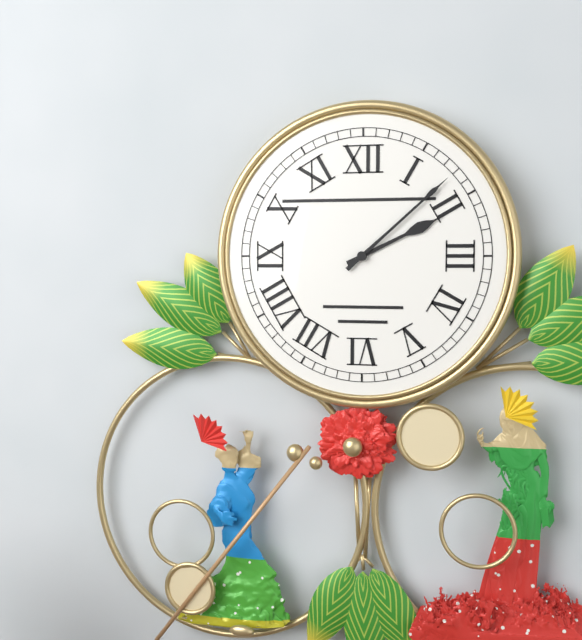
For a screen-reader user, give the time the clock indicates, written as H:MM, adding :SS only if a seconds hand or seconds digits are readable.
2:08
